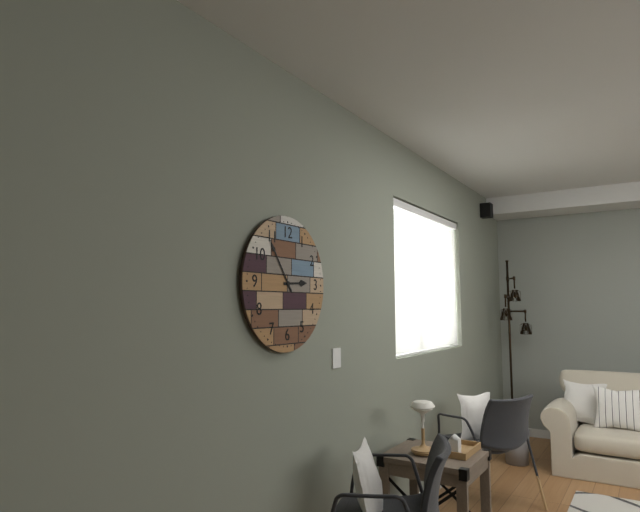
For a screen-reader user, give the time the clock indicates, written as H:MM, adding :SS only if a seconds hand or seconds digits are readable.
2:54
